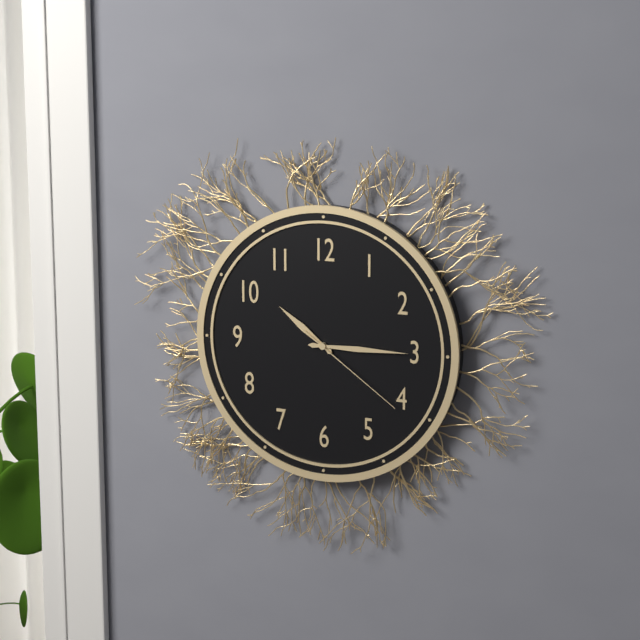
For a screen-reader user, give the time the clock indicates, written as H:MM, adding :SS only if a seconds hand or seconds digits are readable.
10:15:21
